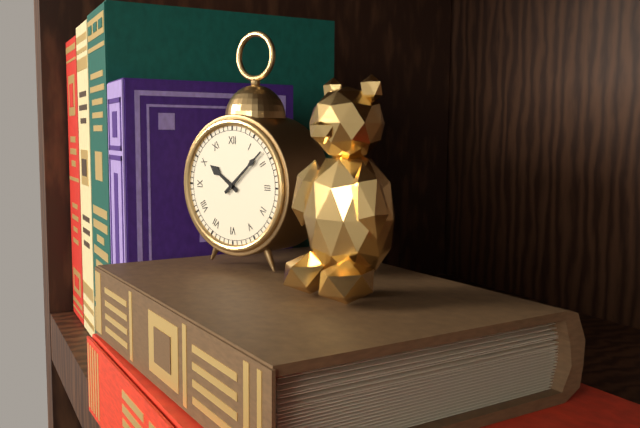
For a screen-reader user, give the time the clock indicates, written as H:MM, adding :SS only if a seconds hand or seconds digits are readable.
10:08
